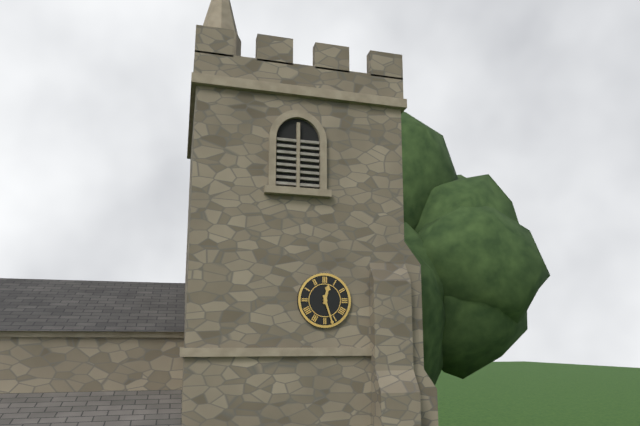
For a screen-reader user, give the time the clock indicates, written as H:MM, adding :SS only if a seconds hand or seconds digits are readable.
12:27
